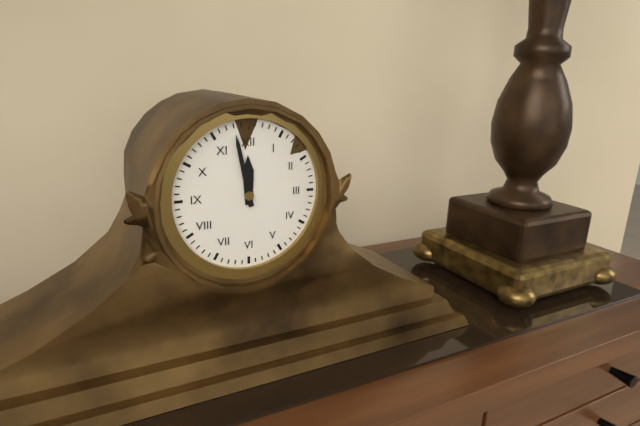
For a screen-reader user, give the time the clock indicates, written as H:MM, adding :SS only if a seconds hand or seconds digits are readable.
11:58
